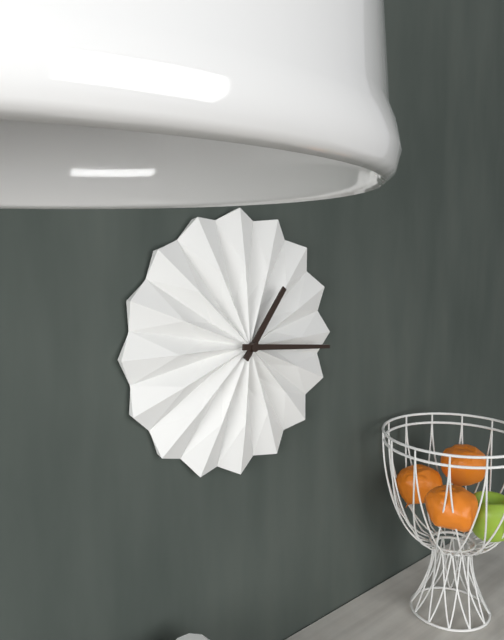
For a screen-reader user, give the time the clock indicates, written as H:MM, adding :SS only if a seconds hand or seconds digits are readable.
1:16
